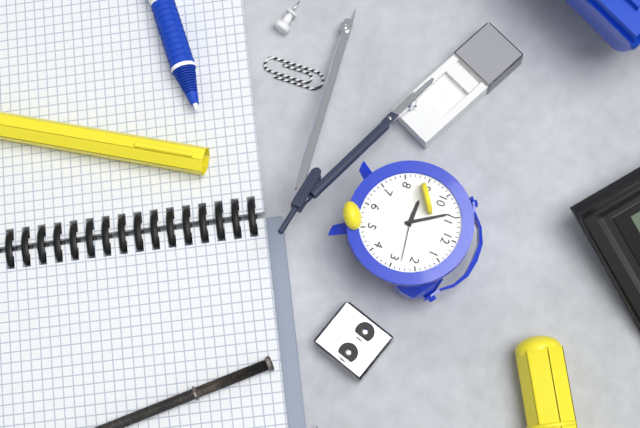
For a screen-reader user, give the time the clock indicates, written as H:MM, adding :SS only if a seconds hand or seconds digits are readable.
8:54:13
